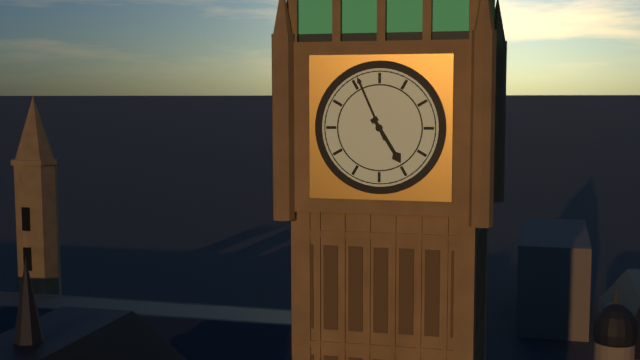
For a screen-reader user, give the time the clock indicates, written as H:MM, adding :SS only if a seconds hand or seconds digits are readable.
4:56
